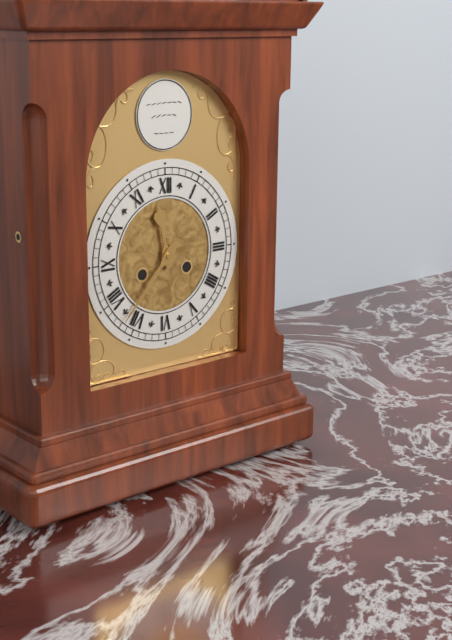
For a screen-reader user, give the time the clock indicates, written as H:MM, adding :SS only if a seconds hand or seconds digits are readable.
11:37
